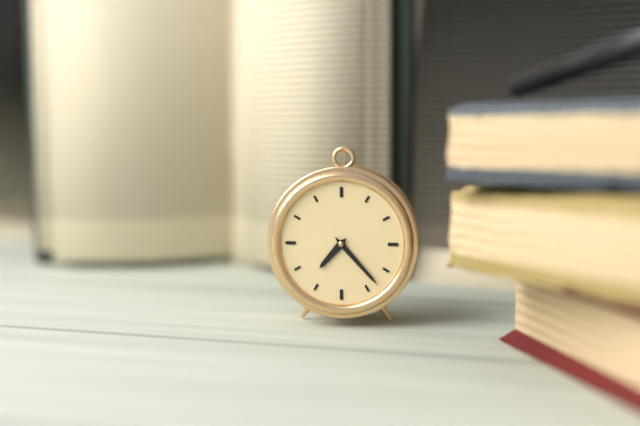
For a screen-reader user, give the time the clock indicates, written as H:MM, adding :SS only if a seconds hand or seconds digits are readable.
7:23
